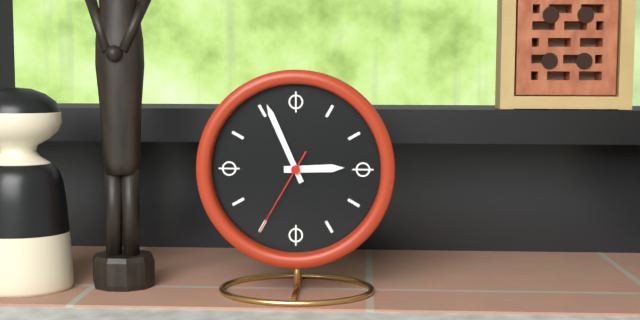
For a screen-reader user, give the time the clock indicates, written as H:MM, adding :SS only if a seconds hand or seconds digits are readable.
2:56:35
